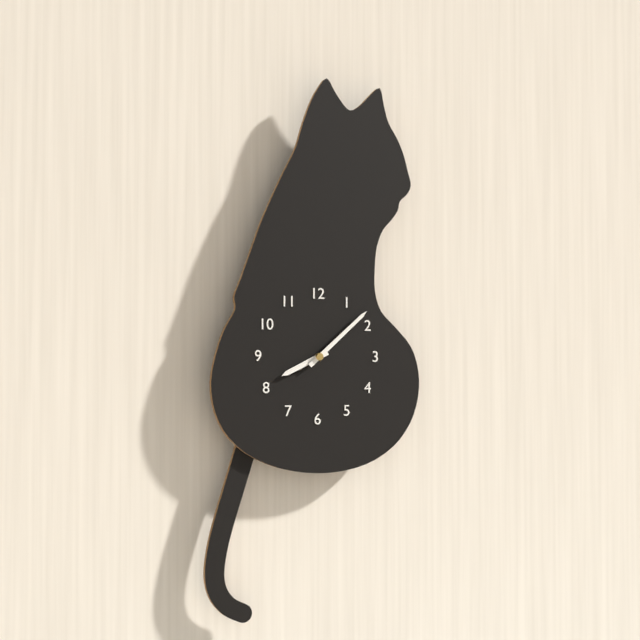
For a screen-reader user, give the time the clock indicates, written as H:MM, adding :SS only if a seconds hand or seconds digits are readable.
8:08
